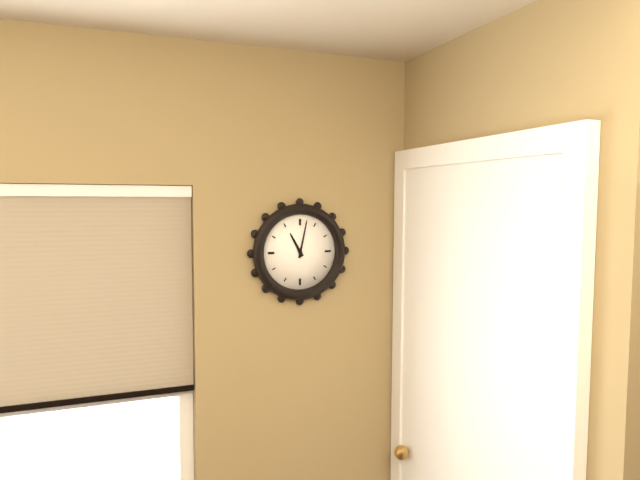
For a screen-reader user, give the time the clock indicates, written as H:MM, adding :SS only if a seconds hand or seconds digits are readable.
11:02
